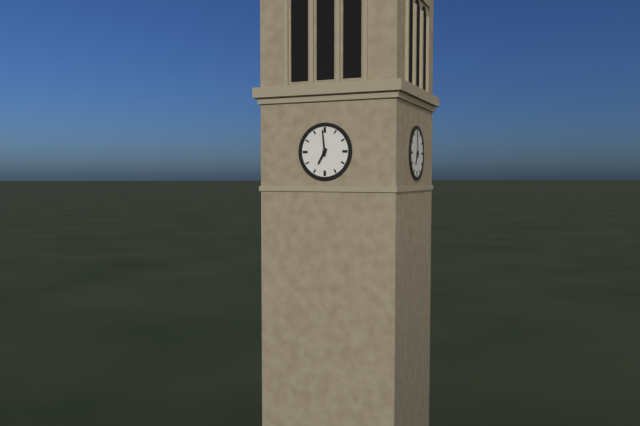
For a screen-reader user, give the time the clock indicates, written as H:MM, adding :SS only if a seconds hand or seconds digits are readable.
6:59
